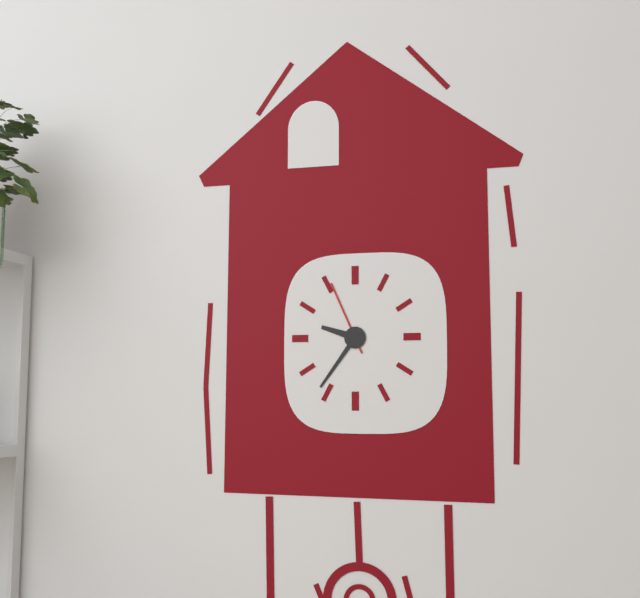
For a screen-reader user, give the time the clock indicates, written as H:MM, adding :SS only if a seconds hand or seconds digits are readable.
9:36:56
